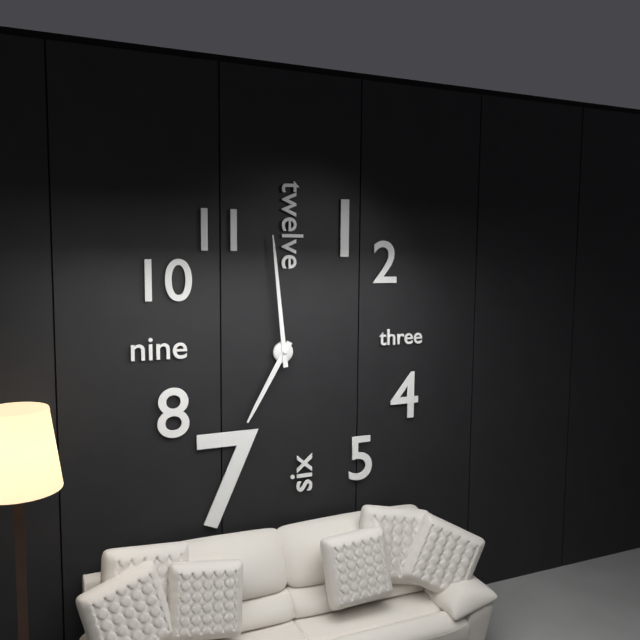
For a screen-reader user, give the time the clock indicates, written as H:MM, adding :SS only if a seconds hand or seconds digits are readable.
6:59
